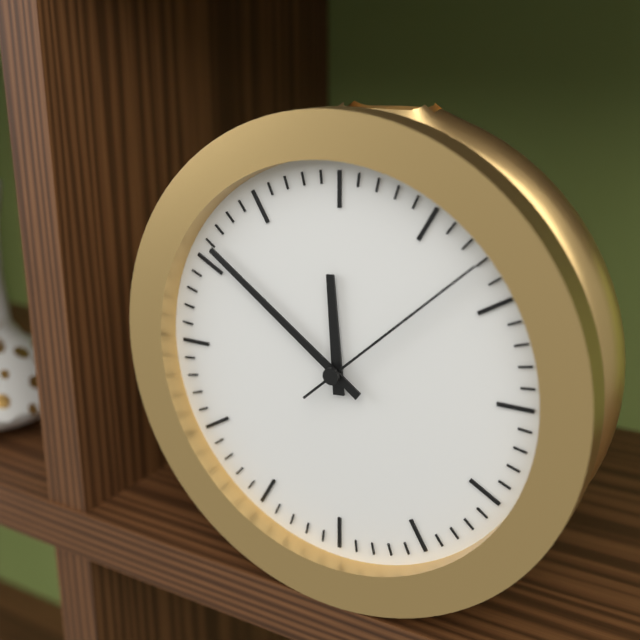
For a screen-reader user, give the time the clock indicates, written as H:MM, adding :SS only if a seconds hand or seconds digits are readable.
11:51:08
